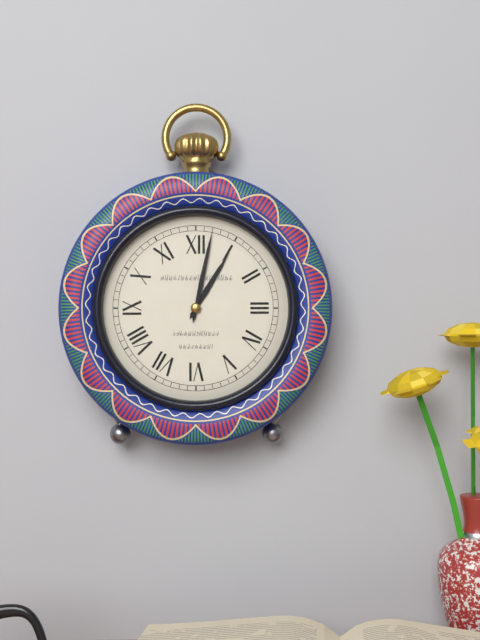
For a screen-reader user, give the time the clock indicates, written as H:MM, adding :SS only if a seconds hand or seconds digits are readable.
1:02
